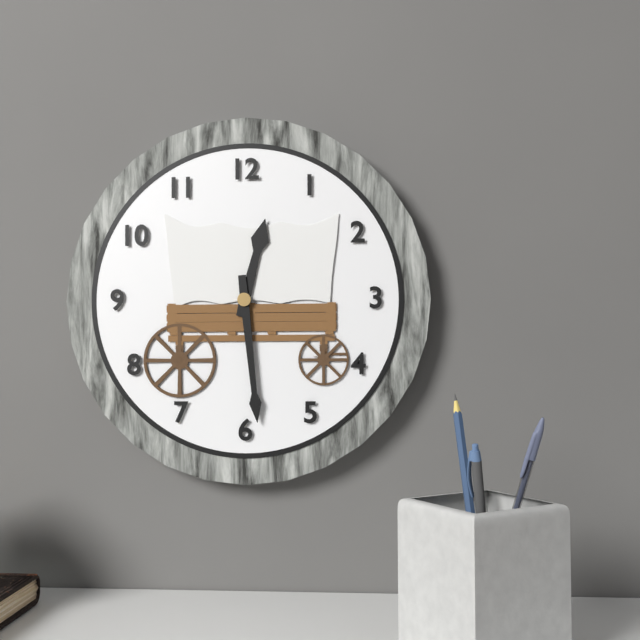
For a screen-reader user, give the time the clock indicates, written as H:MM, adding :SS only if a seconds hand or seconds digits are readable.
12:29
